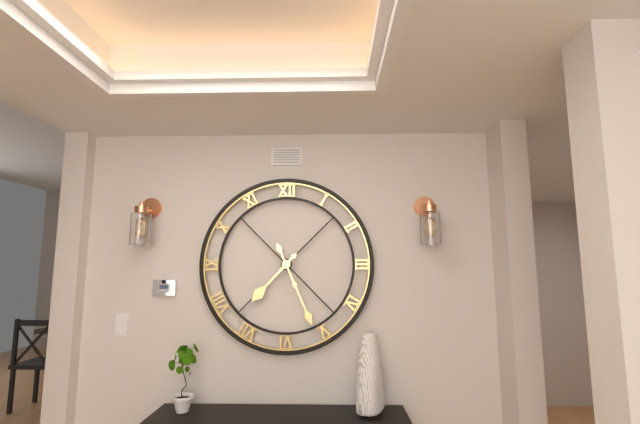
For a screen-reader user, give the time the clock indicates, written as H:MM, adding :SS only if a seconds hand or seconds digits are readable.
7:26
